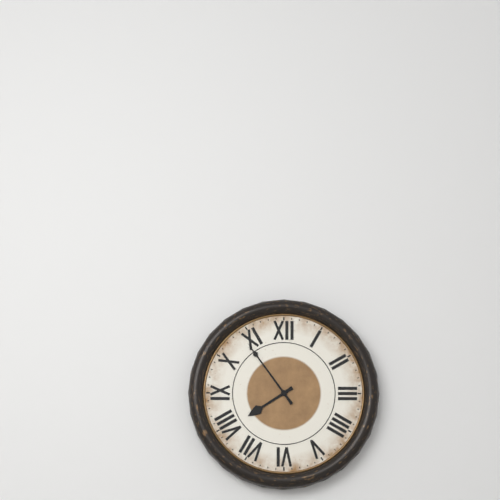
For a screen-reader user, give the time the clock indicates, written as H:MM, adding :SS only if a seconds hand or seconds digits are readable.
7:54
